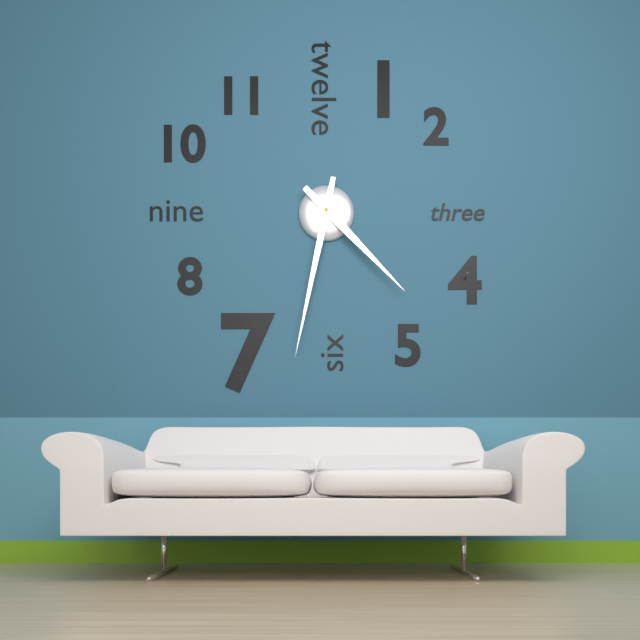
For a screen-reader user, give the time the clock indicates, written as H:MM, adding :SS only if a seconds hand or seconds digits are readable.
4:32
